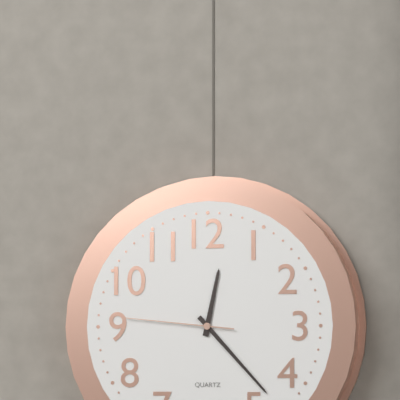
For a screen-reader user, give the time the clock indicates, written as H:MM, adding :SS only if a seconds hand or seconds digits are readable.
12:23:46
